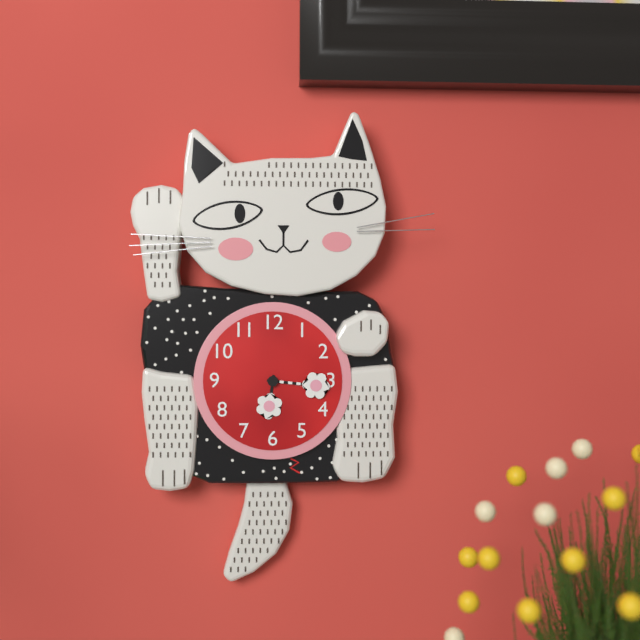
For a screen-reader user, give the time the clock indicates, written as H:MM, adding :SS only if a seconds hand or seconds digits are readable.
6:16
